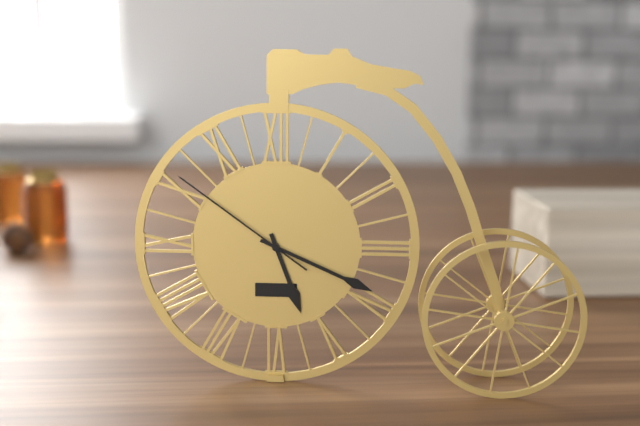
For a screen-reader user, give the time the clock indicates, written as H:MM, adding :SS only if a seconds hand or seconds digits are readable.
5:19:51
